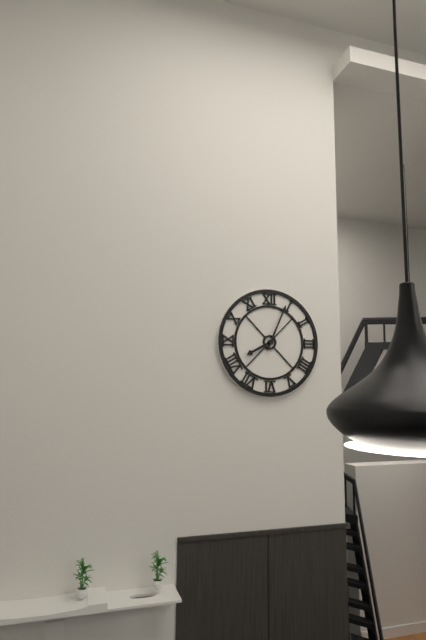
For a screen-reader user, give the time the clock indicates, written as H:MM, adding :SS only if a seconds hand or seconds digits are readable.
8:04
